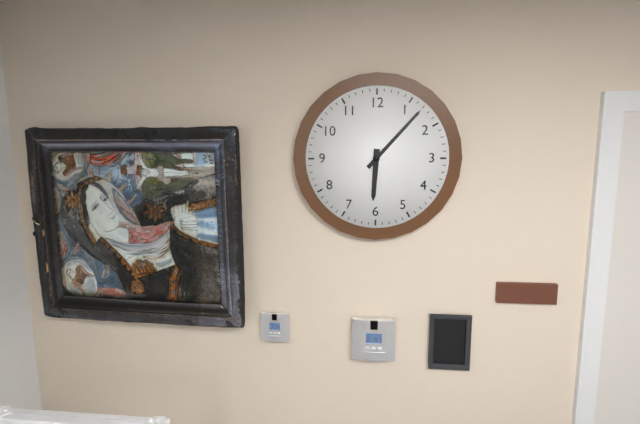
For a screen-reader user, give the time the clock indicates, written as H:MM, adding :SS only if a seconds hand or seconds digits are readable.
6:07
